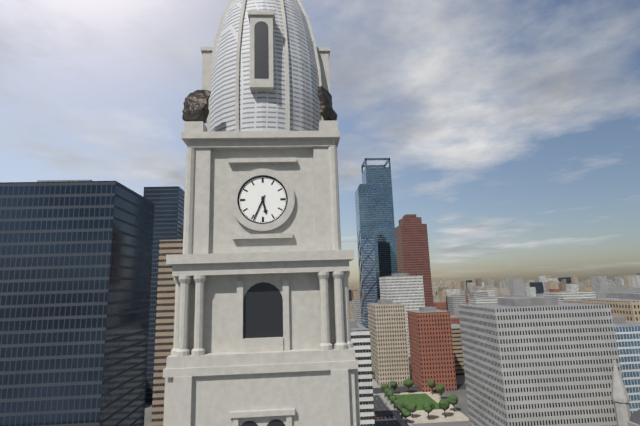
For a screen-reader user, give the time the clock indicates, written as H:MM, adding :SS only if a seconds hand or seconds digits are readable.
5:34
